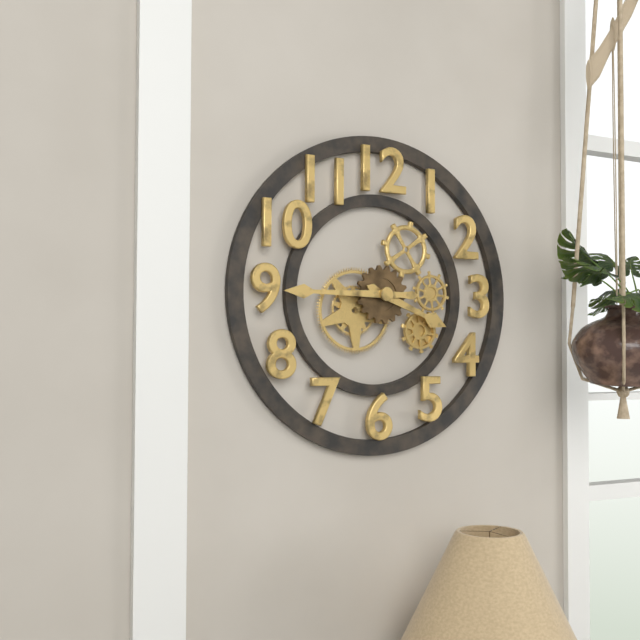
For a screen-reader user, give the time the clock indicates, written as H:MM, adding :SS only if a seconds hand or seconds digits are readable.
3:45
